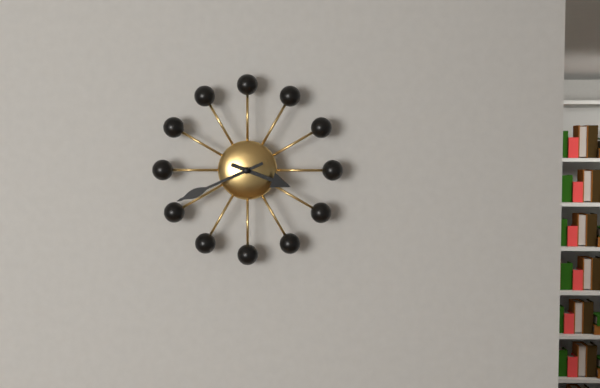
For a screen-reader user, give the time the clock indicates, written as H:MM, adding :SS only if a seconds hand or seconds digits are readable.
3:41
